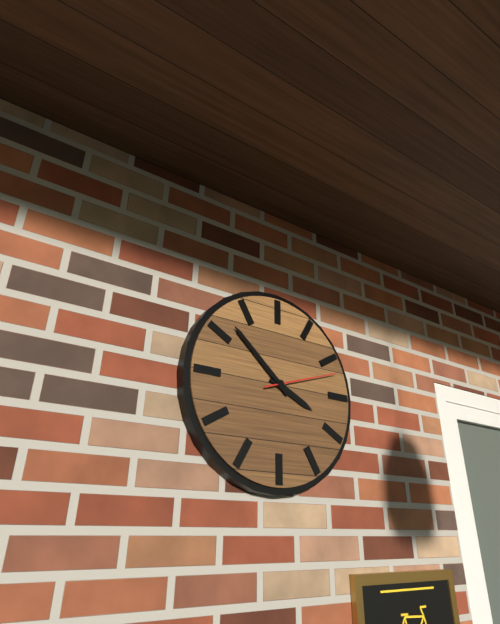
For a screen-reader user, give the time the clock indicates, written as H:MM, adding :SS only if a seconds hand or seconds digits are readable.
3:52:12
